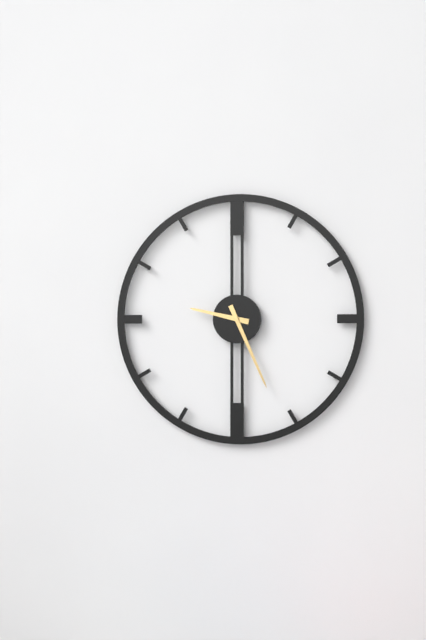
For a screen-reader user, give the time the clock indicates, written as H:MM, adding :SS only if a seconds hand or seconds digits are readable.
9:26
